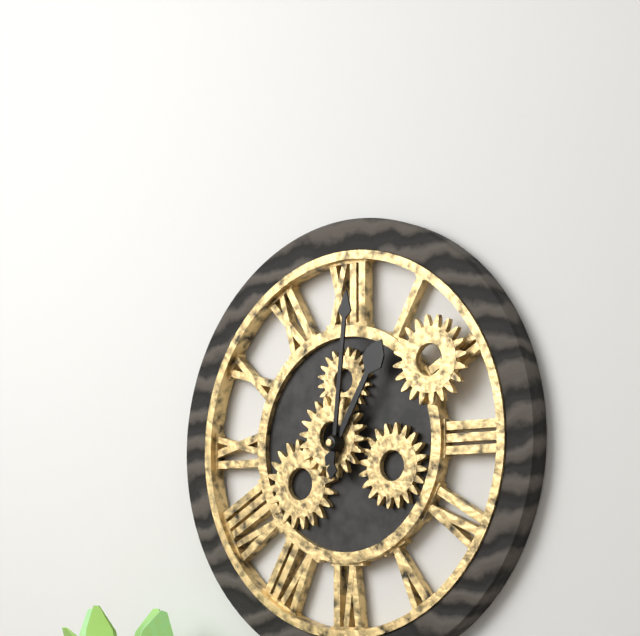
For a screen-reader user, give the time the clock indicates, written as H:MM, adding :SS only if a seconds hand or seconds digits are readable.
1:01
